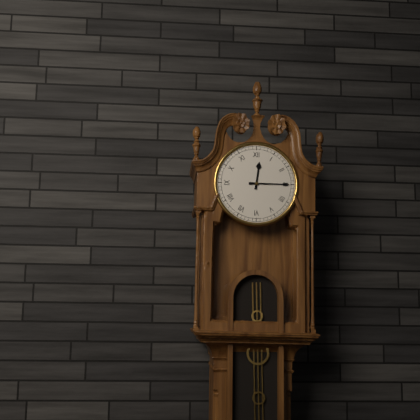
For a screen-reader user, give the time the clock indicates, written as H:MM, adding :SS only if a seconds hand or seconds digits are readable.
12:15
